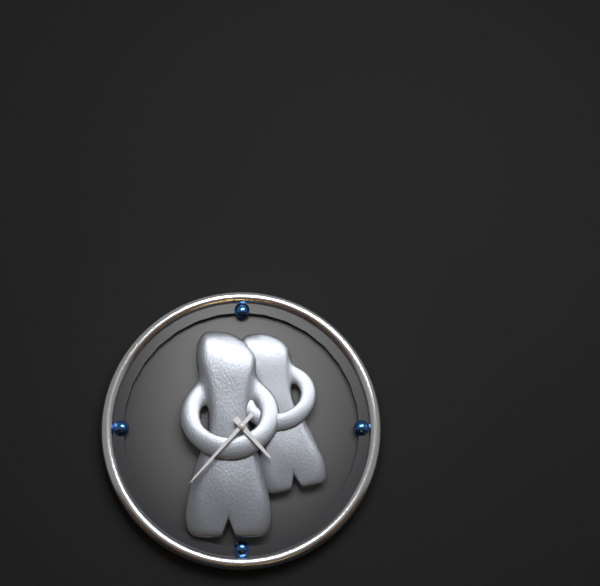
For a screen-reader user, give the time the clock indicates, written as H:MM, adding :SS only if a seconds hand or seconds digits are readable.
4:37
